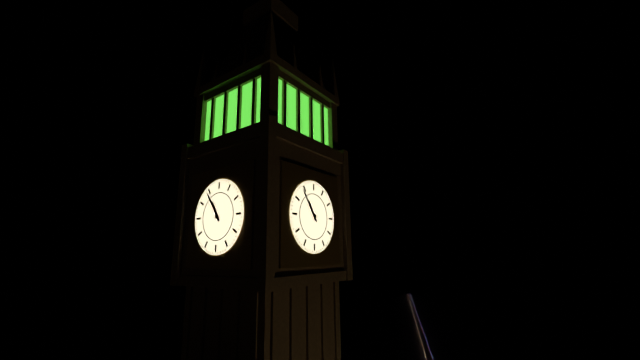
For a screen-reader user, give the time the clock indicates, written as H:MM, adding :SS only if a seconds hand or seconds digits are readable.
10:54
